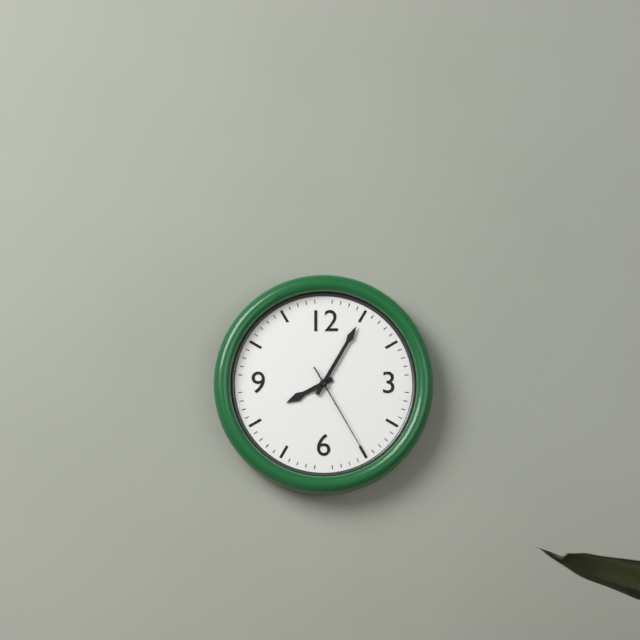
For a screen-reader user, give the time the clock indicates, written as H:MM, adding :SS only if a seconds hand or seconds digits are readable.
8:05:25
